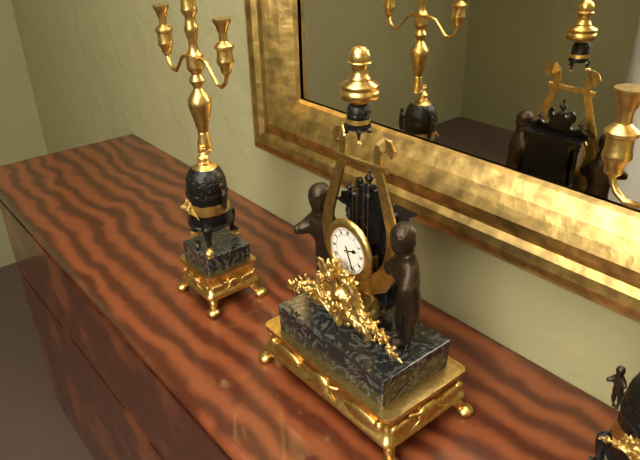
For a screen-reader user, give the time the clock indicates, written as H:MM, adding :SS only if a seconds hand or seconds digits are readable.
2:26
